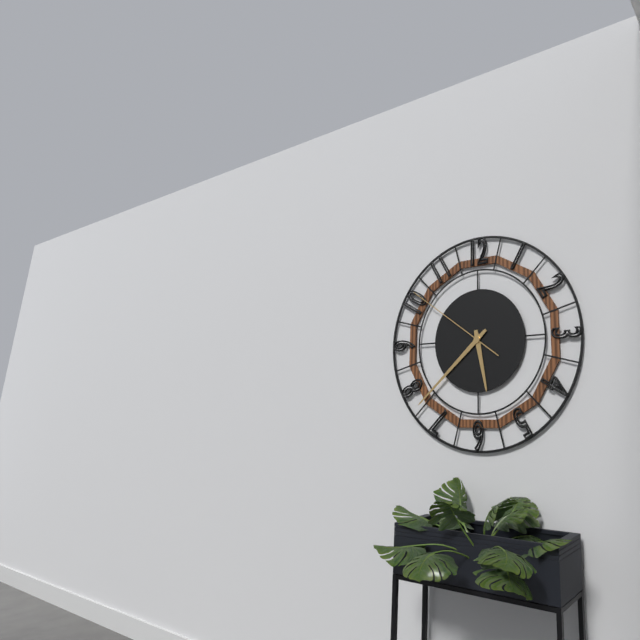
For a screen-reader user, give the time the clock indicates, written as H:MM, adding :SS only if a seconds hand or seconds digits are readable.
5:38:51
